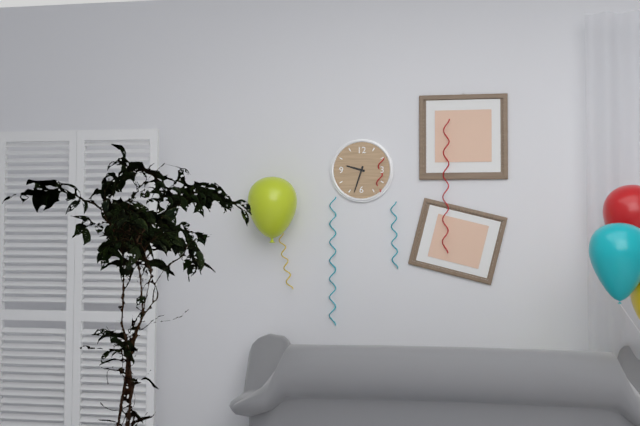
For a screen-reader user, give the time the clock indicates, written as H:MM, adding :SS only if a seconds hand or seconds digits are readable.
9:33
